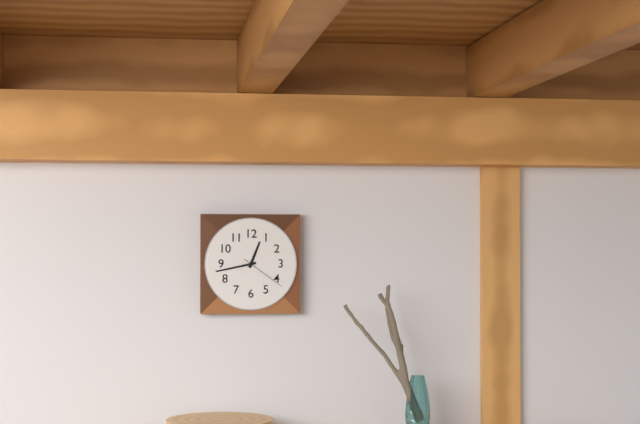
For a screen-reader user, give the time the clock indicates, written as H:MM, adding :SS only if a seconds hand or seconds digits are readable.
12:43
